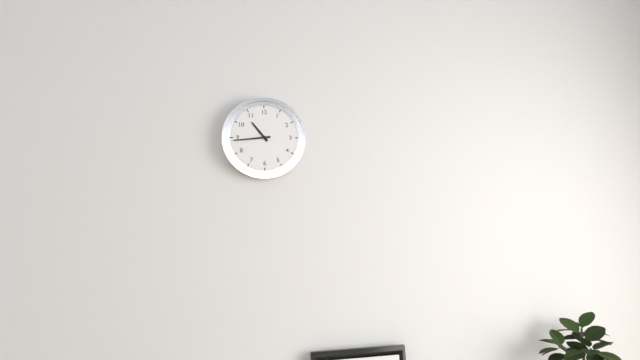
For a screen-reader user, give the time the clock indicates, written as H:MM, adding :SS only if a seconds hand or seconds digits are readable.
10:44
